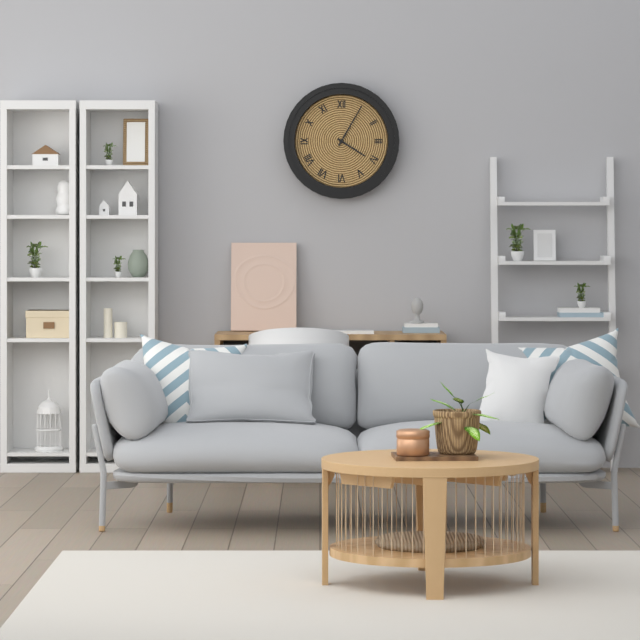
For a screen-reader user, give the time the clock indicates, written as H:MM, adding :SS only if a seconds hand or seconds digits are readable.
4:05
